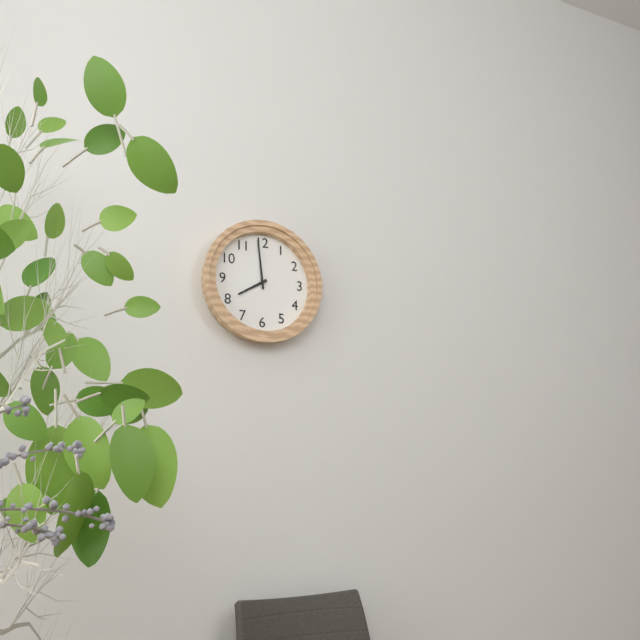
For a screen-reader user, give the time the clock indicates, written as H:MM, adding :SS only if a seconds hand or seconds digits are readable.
7:59
